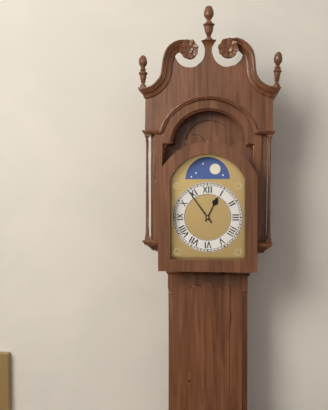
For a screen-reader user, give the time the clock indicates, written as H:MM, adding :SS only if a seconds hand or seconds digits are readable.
12:54
